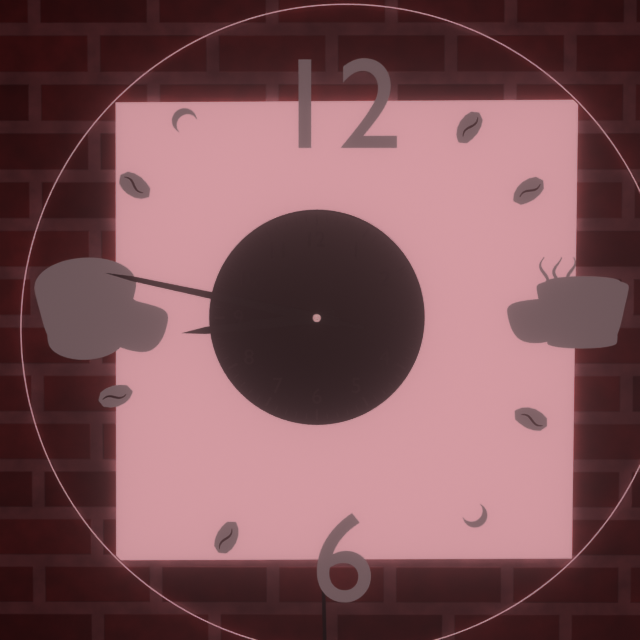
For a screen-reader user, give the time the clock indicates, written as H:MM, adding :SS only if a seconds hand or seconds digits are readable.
8:47:47
